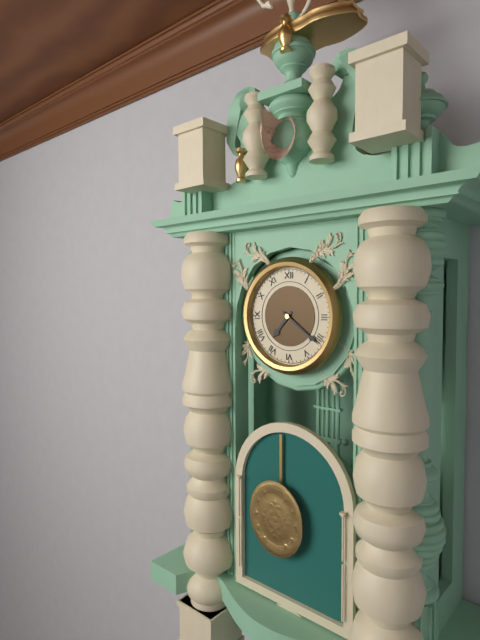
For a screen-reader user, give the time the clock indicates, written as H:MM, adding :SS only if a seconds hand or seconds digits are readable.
7:21
